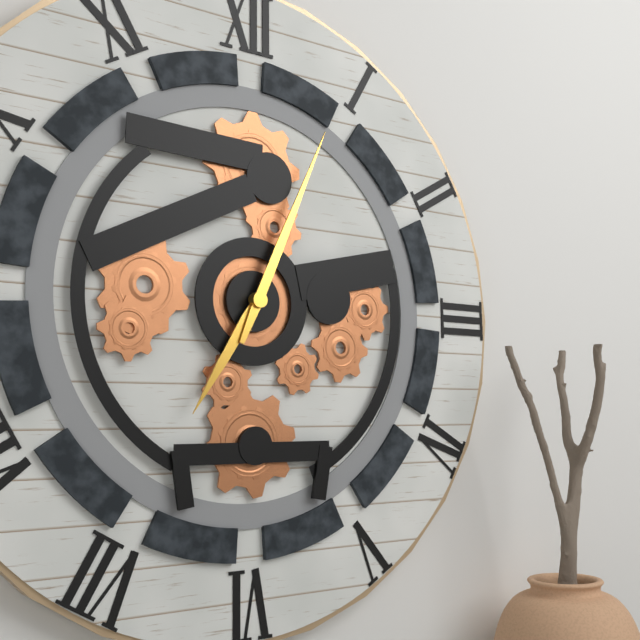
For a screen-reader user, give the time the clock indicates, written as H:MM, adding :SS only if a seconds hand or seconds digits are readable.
7:04
